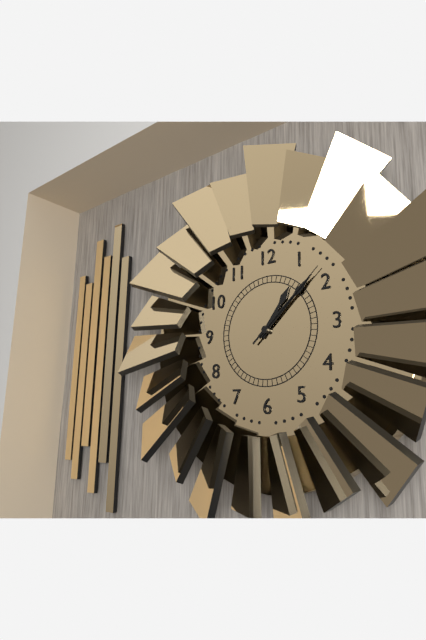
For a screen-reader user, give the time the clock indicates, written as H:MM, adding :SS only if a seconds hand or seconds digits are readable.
1:08:08
